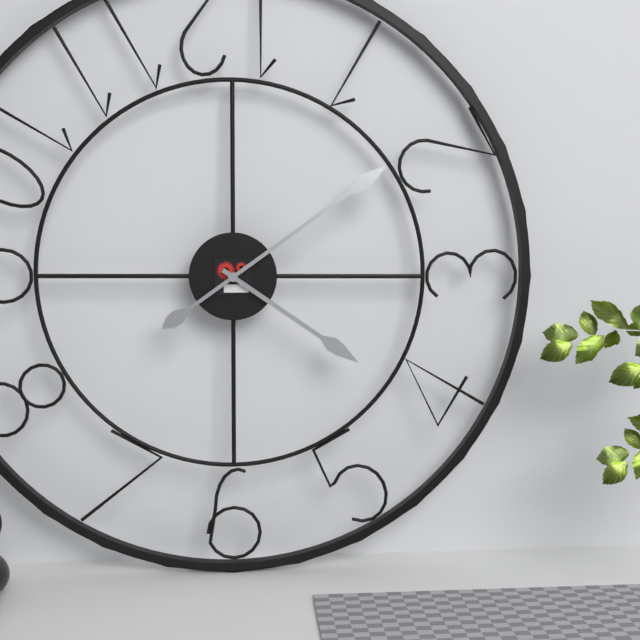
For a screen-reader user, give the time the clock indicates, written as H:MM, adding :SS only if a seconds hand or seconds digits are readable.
4:09
